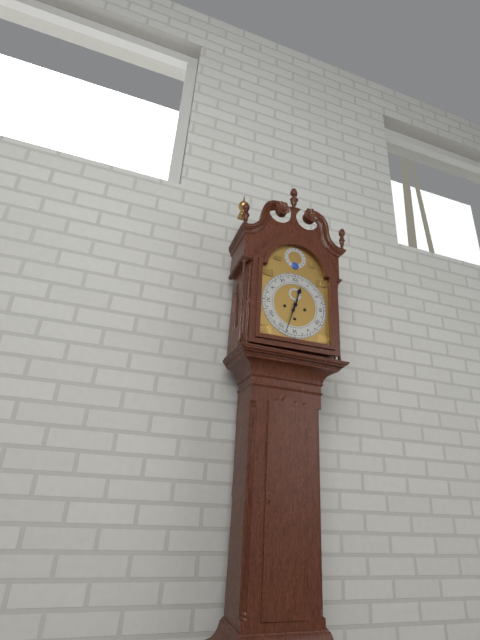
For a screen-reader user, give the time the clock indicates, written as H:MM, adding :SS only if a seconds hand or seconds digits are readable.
12:33
